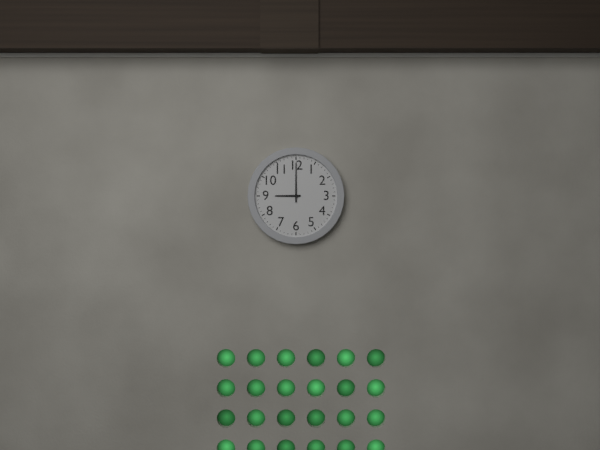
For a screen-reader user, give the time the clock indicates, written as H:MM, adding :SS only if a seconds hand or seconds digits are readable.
9:00
